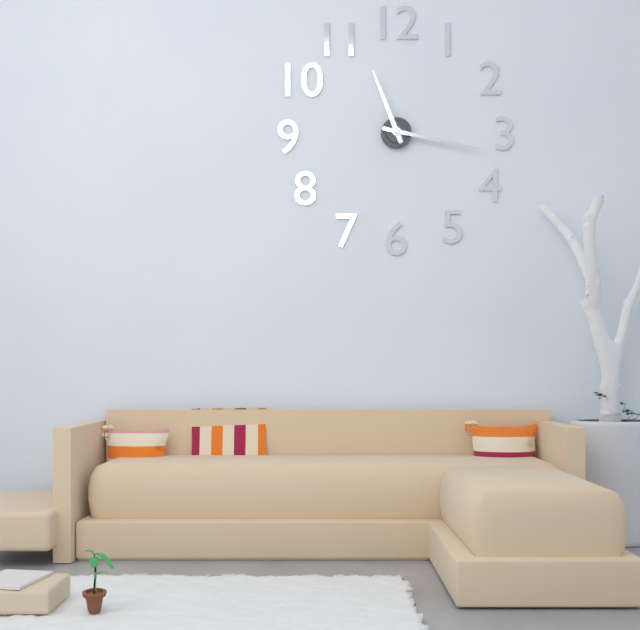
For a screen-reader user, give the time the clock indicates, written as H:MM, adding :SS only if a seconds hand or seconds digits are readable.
11:17
